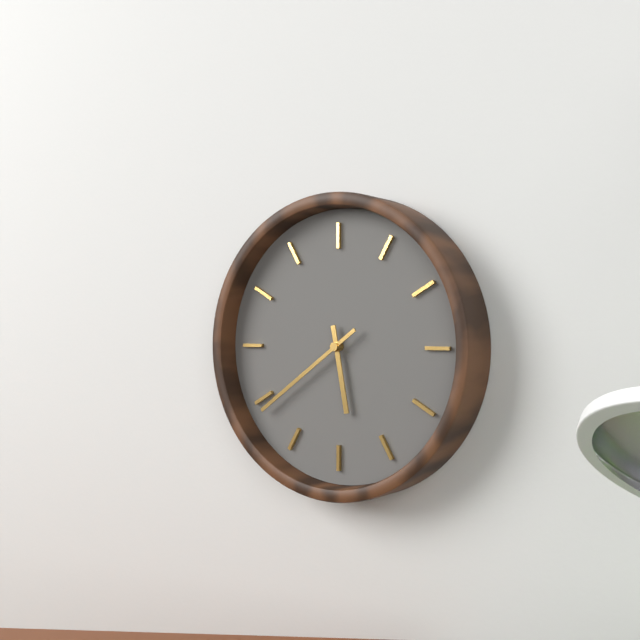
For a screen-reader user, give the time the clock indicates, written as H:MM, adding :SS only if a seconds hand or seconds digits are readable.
5:39
